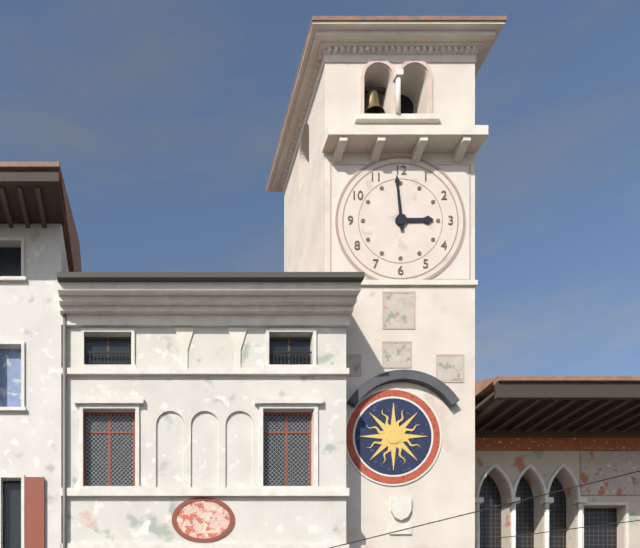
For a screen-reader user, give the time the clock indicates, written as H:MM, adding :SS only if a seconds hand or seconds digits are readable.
2:59
